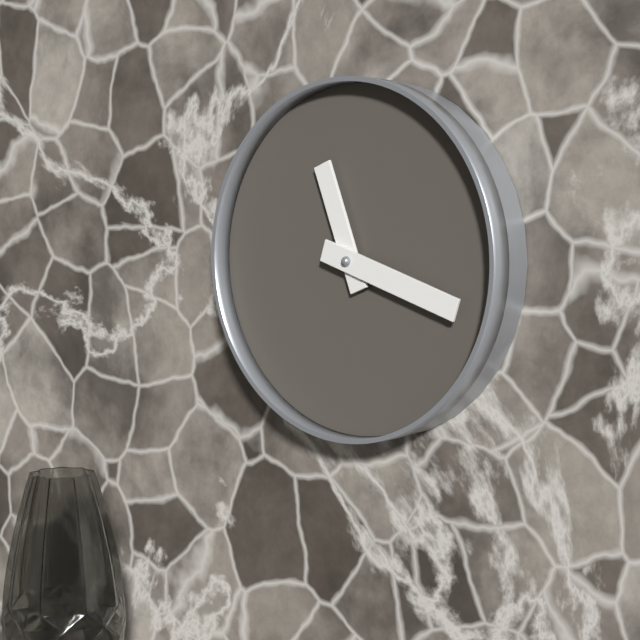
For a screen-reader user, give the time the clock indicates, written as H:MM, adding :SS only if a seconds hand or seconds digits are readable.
11:18
